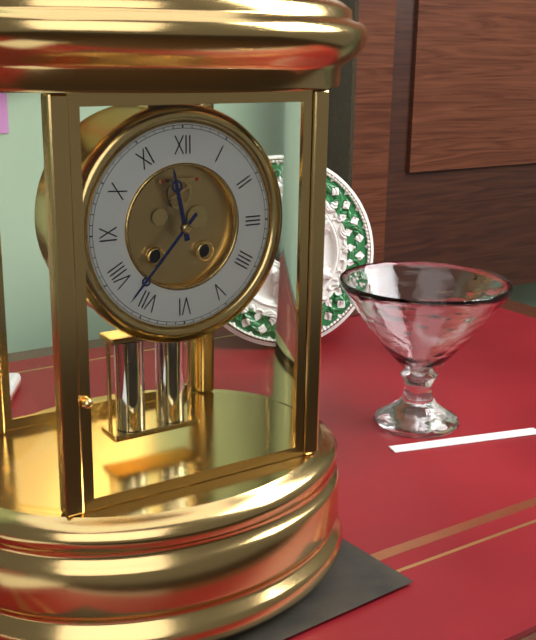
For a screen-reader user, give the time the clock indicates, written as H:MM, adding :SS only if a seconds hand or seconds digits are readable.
11:37
